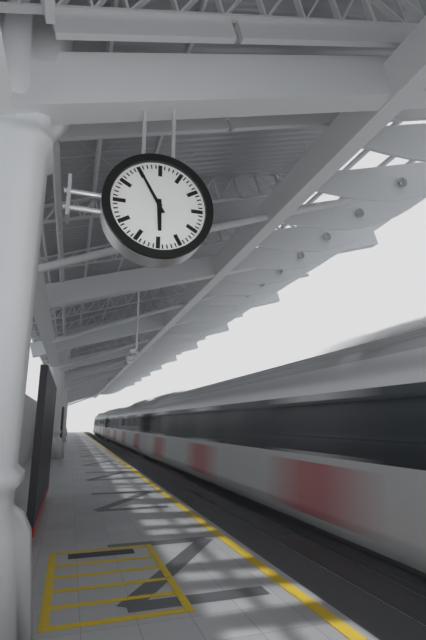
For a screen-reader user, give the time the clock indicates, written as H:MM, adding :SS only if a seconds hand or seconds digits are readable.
5:55
